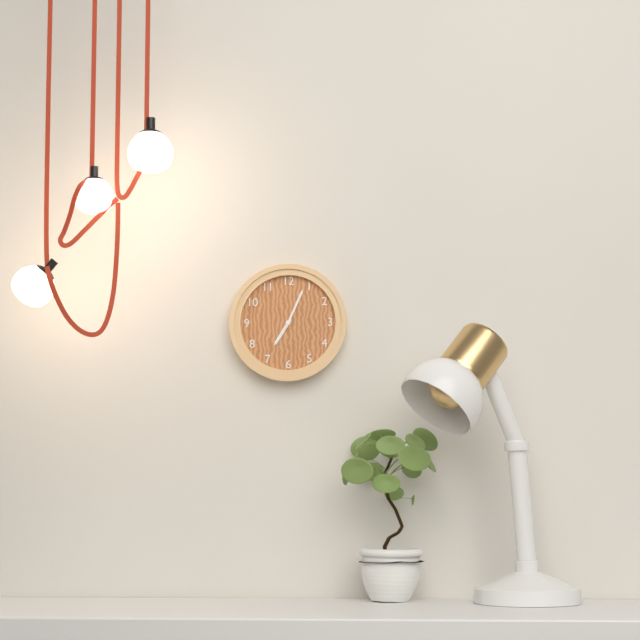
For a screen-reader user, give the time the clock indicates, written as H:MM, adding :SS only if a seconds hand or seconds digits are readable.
7:04
